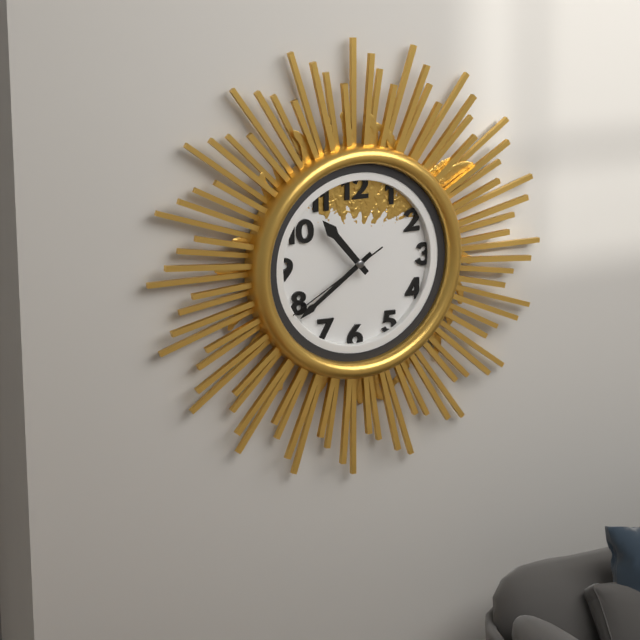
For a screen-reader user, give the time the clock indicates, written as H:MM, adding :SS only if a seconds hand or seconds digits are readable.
10:39:40
